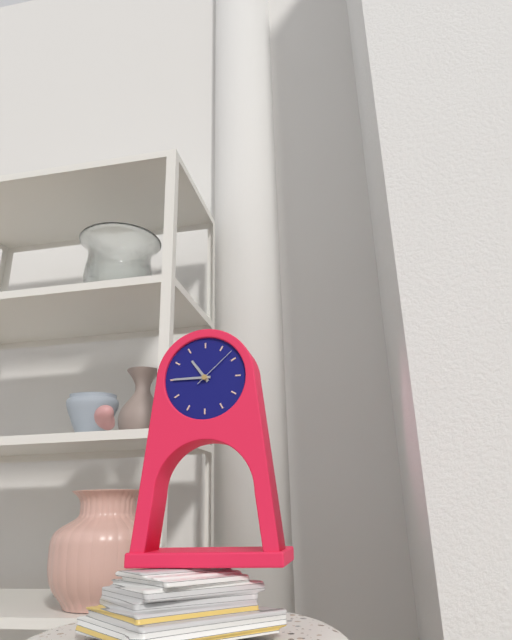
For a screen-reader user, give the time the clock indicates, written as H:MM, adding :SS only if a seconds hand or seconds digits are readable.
10:45
